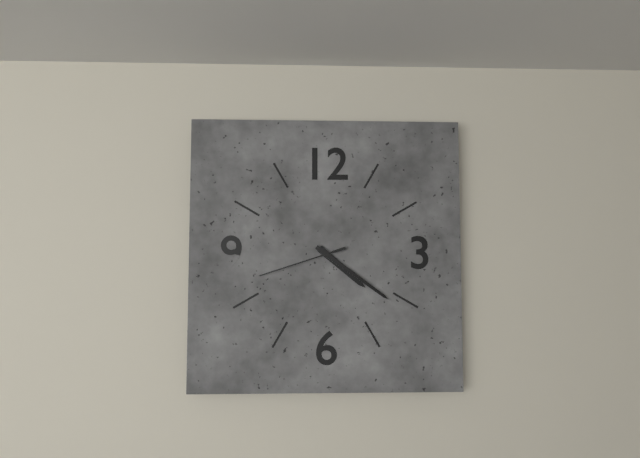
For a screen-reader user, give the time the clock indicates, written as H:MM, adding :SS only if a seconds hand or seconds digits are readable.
4:21:42
